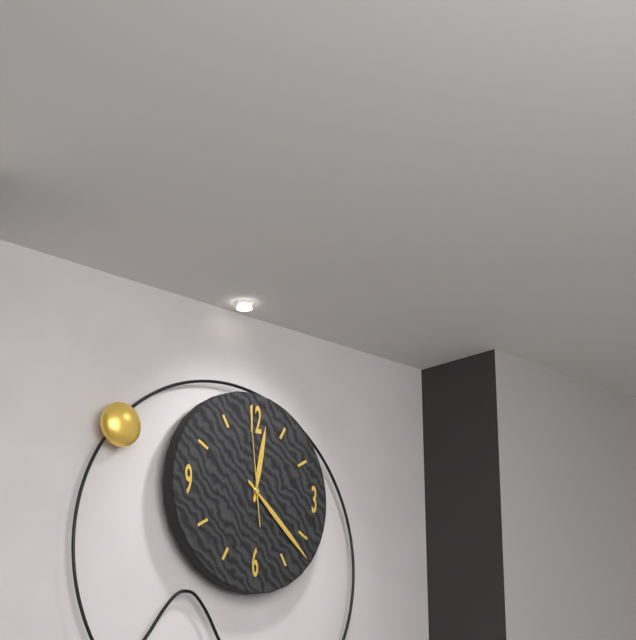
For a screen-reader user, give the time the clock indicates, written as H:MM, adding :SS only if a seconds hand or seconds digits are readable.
12:22:59
